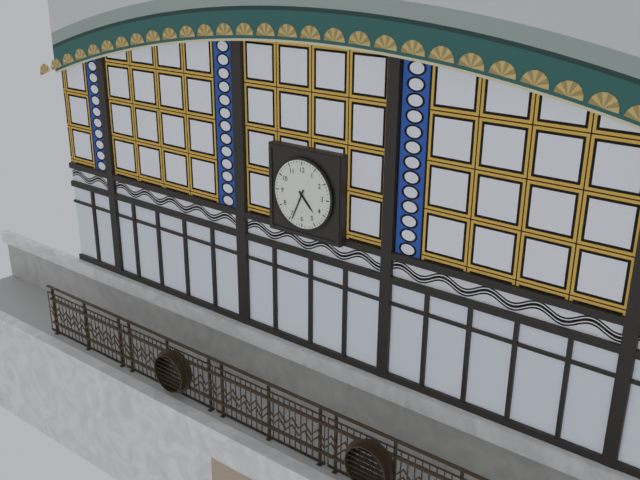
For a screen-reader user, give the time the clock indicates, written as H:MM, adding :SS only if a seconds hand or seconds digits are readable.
4:34
